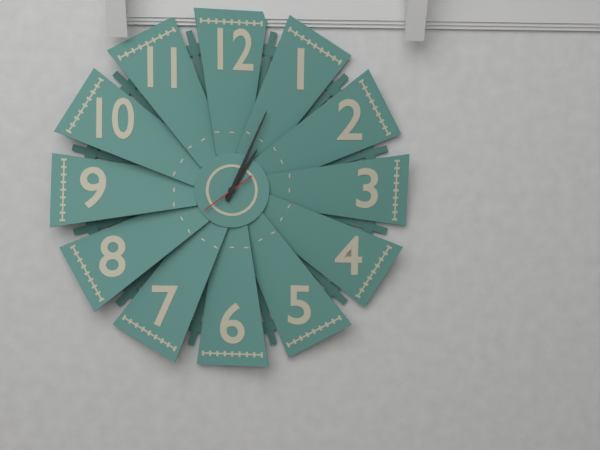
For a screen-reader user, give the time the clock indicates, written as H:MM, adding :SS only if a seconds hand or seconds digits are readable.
1:04
